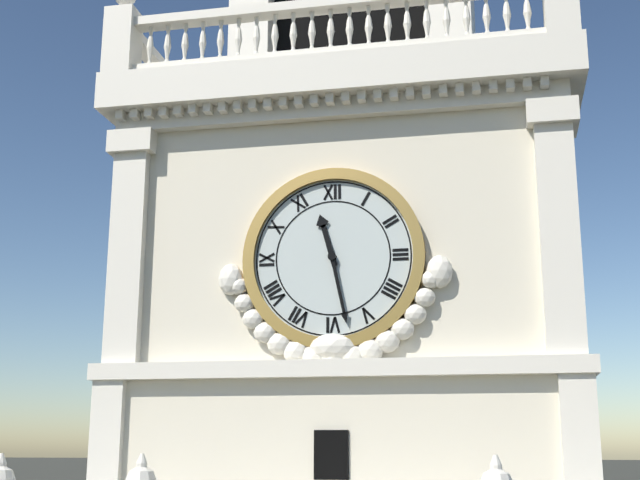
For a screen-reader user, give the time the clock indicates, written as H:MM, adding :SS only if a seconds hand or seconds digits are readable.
11:28
